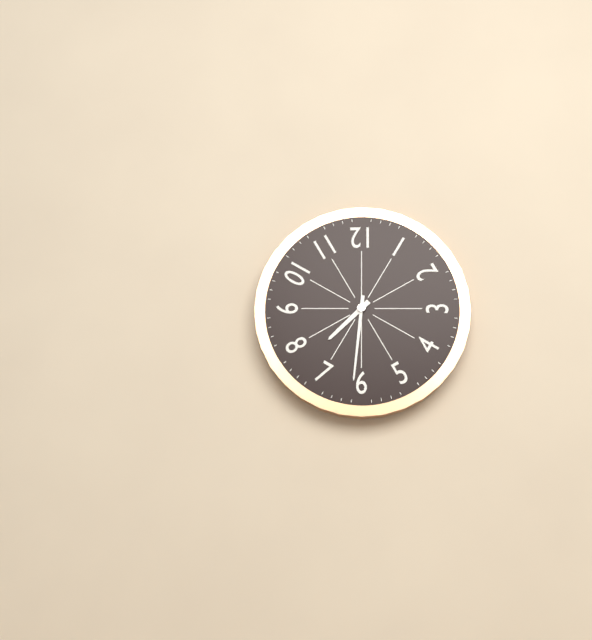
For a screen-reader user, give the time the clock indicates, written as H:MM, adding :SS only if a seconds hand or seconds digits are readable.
7:31
